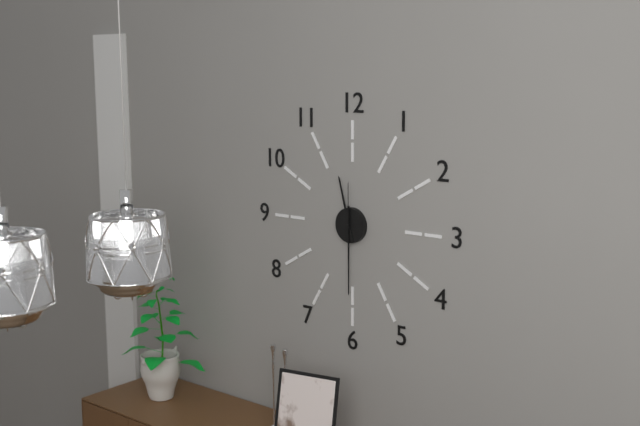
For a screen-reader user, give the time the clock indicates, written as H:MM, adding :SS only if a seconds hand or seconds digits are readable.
11:30:00
